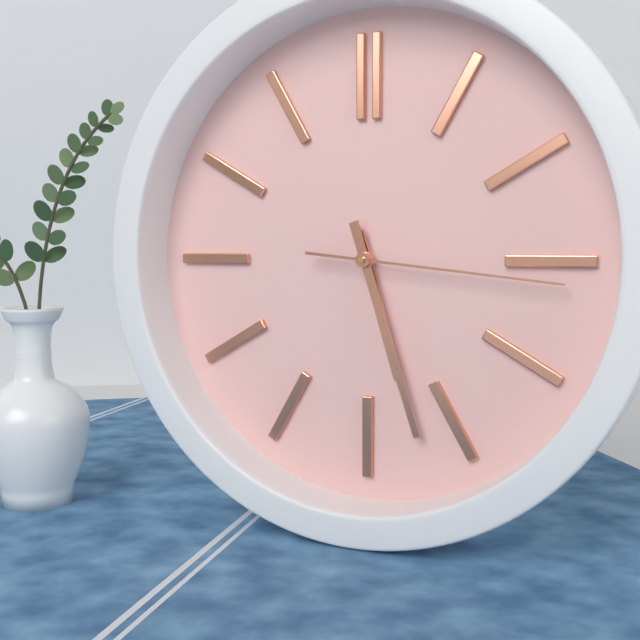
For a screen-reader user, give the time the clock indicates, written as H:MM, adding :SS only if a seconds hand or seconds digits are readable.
5:27:16
